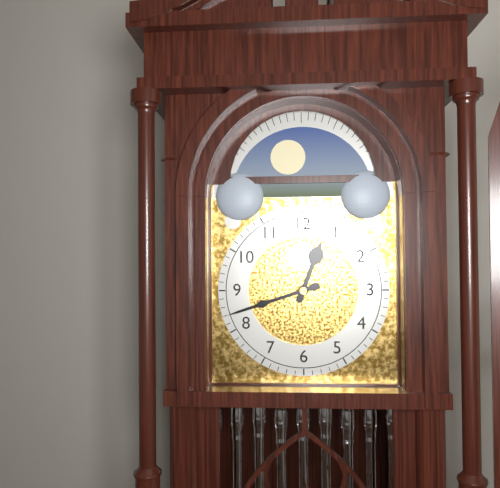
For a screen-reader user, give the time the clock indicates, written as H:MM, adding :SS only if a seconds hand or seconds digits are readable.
12:42
